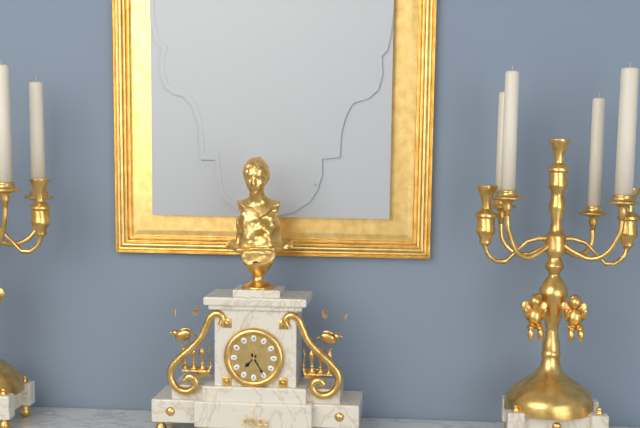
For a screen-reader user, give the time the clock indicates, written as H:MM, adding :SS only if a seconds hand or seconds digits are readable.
7:25
